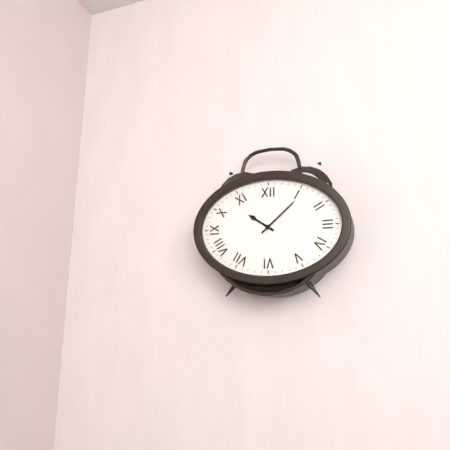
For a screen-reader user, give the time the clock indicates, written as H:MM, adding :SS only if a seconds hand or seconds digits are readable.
10:08
